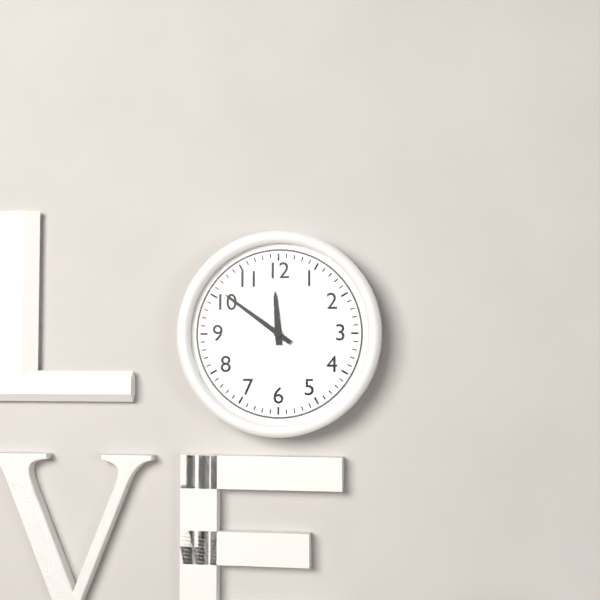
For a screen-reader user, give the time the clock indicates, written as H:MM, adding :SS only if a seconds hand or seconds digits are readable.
11:51
